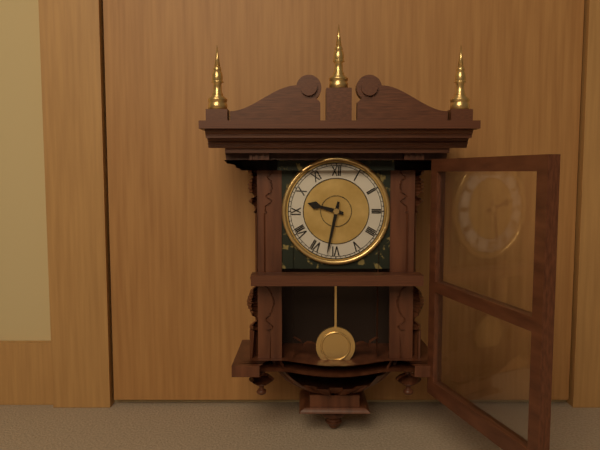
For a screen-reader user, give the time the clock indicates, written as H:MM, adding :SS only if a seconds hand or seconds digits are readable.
9:32
